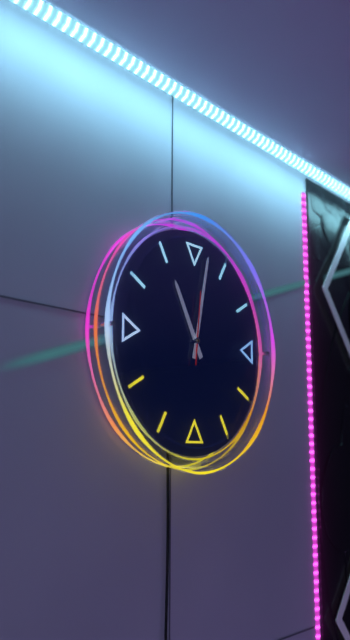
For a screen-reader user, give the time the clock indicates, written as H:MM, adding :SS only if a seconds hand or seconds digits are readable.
11:02:01
